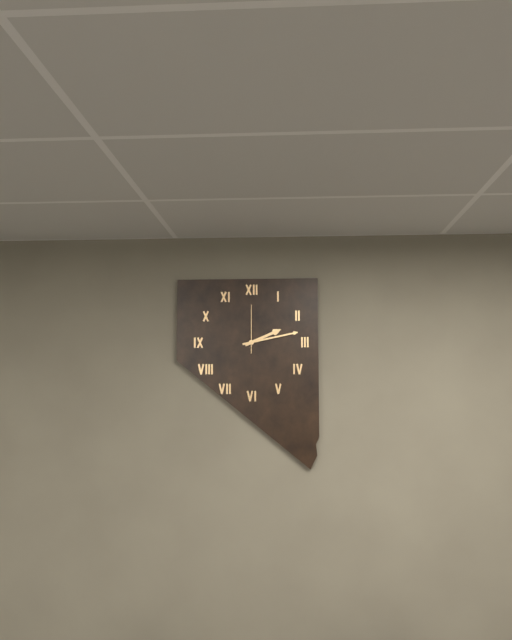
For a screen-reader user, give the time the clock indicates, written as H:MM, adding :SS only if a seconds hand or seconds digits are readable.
2:13
